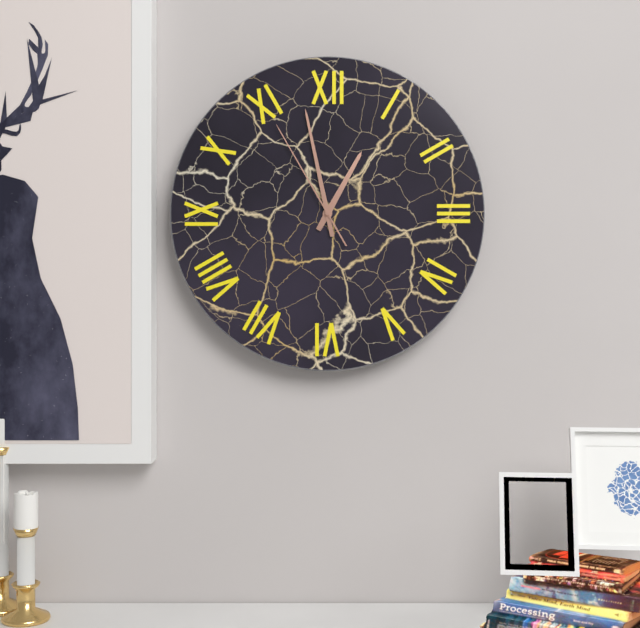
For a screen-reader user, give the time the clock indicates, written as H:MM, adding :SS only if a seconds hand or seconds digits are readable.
12:58:55
